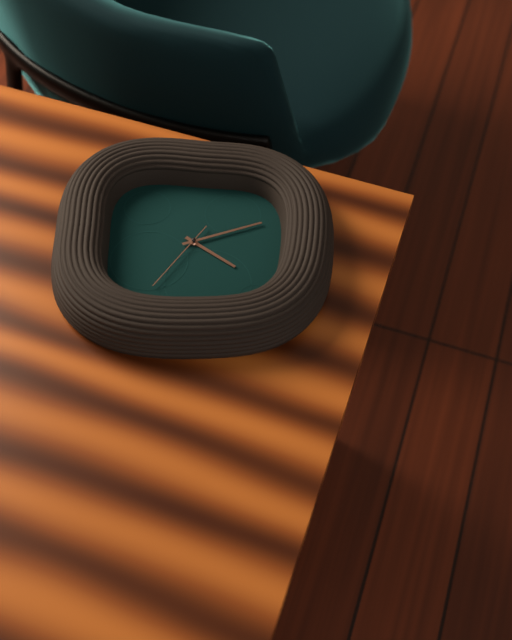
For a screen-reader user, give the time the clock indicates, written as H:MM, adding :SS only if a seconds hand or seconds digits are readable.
4:11:35
